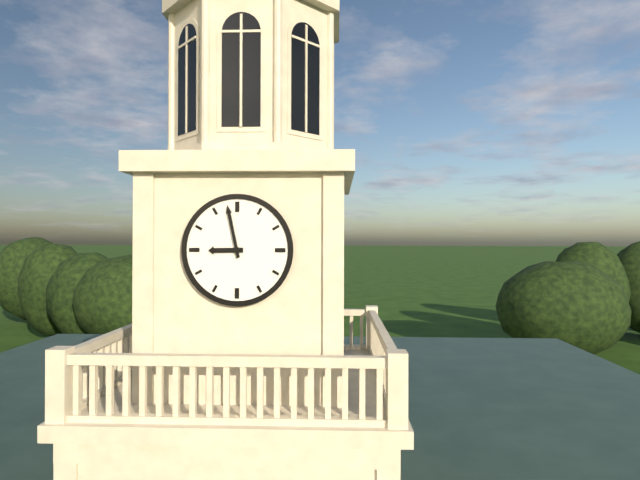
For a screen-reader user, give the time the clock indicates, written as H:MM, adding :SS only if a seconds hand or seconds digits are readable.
8:58
